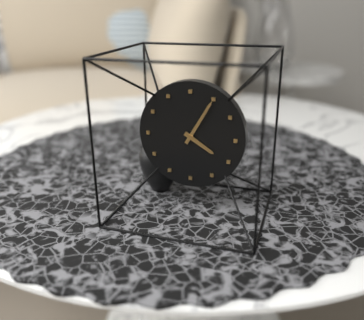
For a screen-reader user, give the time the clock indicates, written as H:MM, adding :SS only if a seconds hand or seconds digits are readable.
4:05
